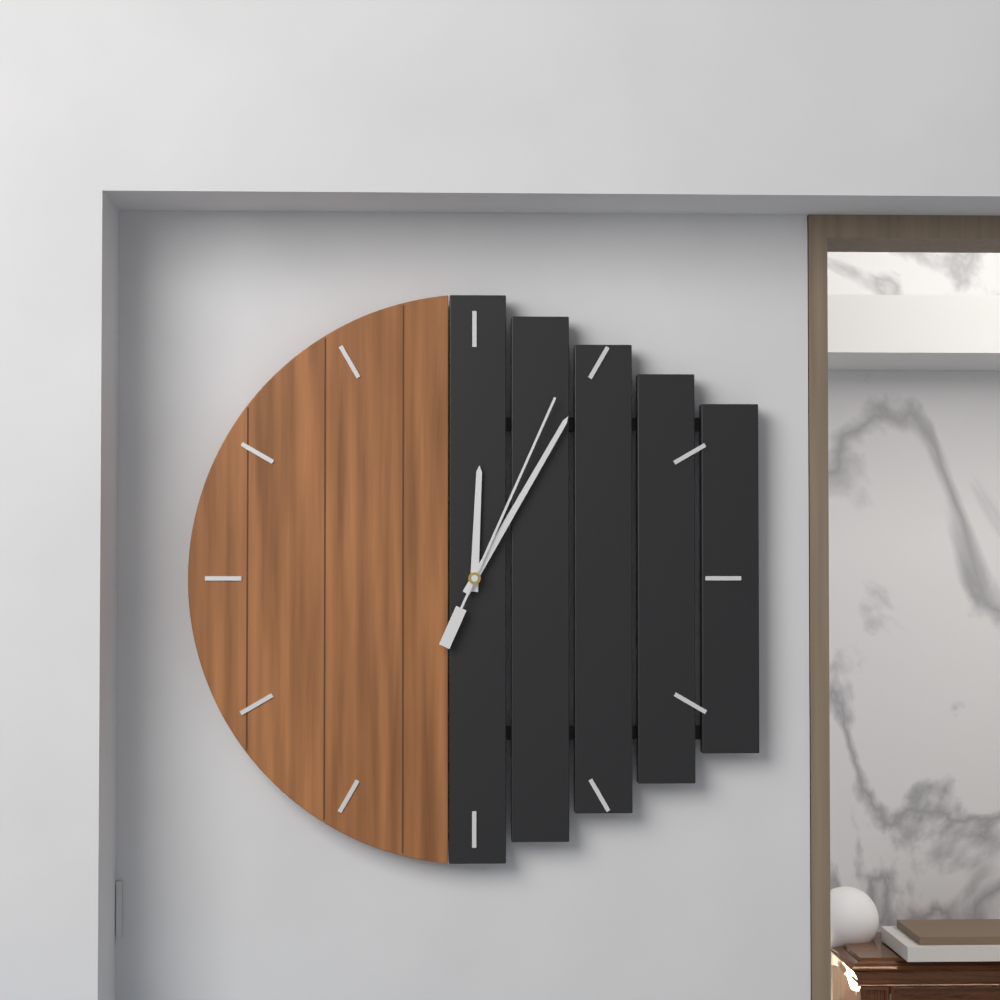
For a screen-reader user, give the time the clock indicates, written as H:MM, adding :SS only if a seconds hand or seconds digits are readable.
12:05:04
